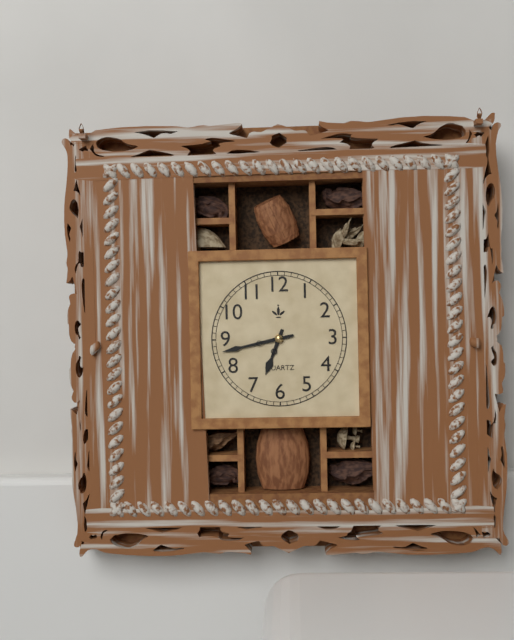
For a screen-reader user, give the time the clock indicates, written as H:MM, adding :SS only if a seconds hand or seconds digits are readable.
6:43
